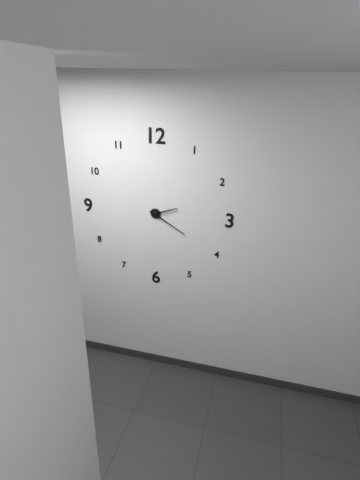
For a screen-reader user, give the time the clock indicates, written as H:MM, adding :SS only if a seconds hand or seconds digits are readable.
2:20
